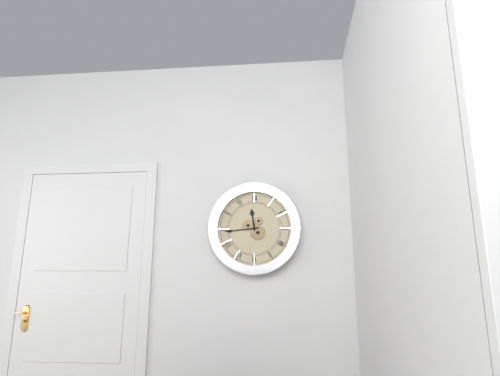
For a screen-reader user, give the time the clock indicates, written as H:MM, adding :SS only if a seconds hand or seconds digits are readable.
11:44
